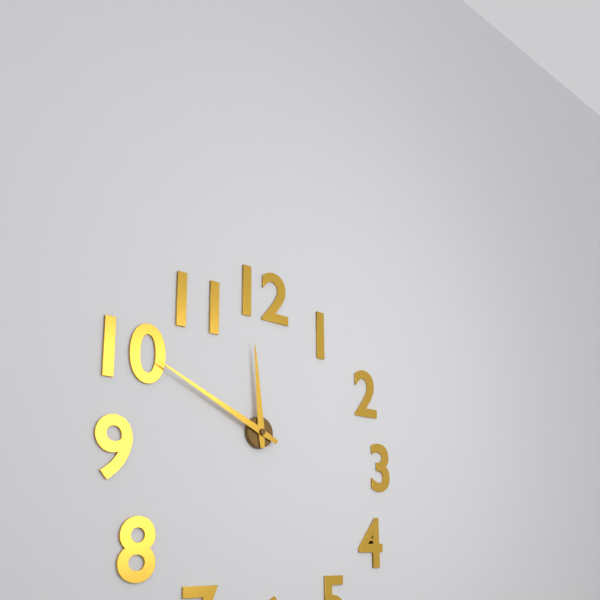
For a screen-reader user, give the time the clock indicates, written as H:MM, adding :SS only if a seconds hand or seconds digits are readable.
11:49
